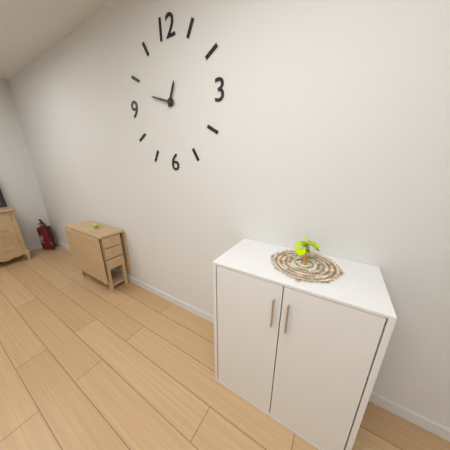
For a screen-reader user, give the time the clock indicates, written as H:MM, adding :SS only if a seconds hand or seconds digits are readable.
12:48
